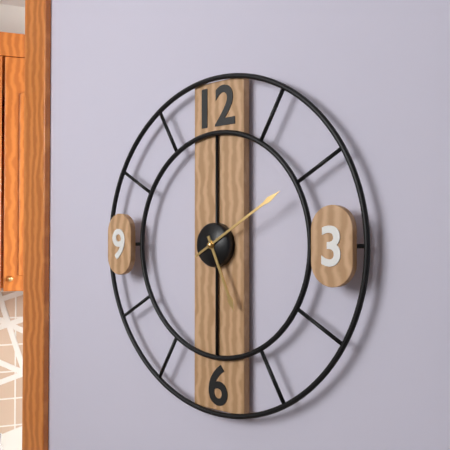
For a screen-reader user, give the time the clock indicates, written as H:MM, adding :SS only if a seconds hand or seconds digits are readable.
5:10
